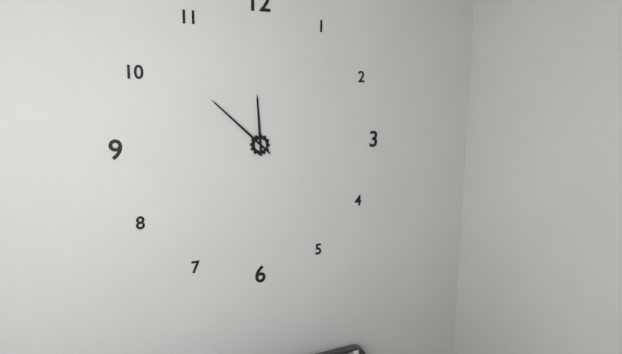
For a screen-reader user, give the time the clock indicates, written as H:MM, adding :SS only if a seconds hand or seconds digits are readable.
11:52
